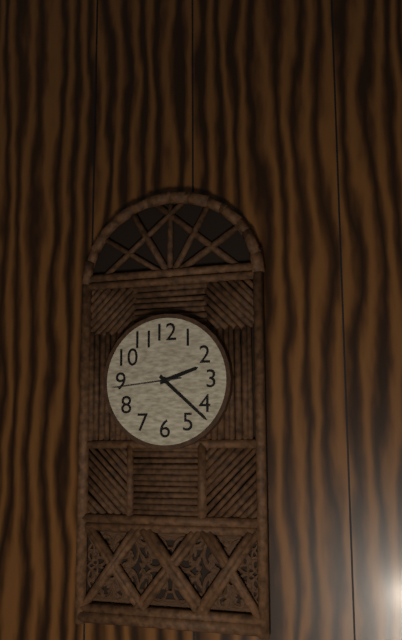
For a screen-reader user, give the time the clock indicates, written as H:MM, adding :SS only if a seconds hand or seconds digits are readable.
2:22:44
